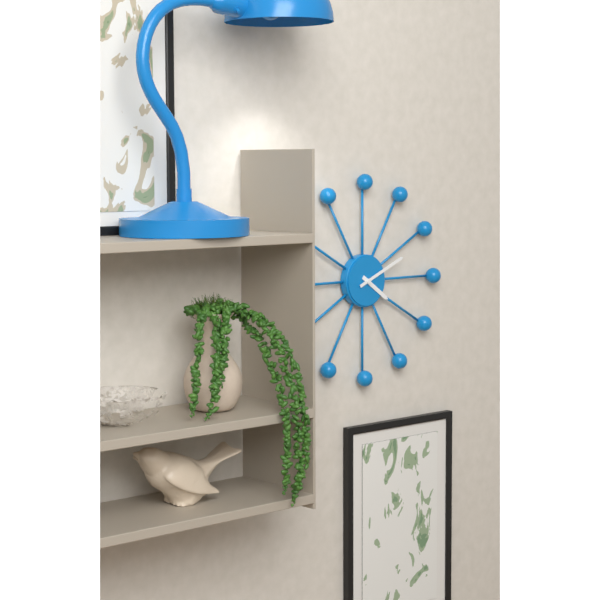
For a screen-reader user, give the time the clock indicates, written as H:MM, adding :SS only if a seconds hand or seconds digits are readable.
4:11
